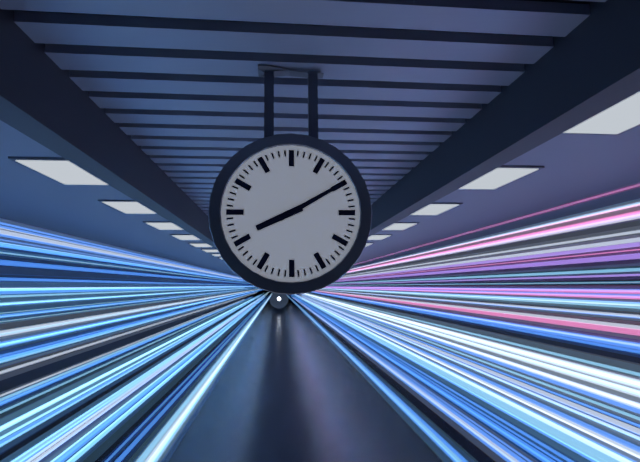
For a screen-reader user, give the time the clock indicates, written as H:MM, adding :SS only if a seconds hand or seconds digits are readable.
8:10
